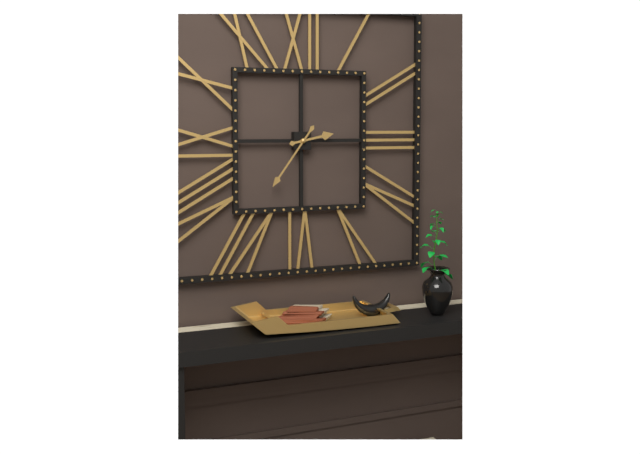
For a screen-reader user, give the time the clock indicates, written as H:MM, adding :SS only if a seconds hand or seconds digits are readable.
2:36
